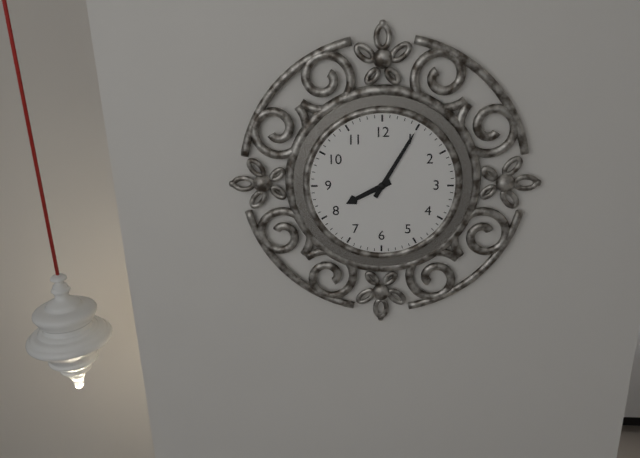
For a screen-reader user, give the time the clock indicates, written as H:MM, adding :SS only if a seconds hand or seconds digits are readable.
8:05
